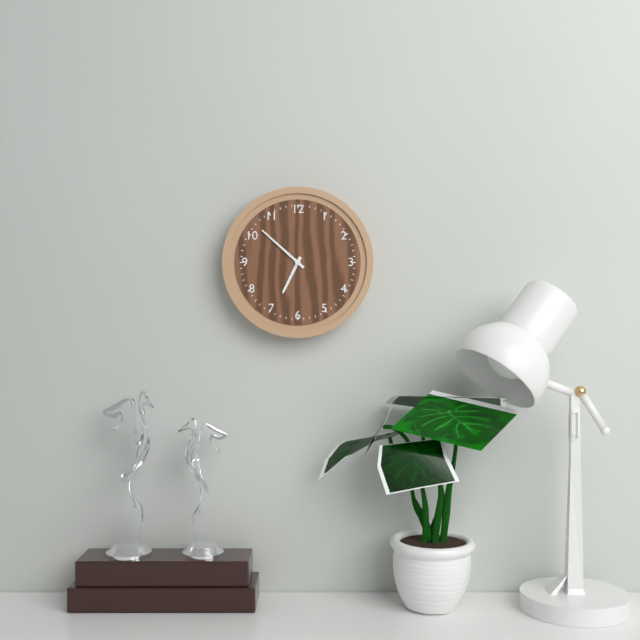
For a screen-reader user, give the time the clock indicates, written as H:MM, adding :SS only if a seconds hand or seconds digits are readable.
6:52
